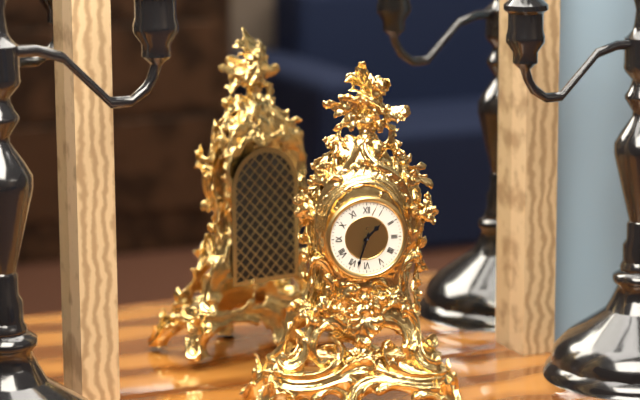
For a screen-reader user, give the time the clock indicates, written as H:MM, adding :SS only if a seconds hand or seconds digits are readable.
1:33
